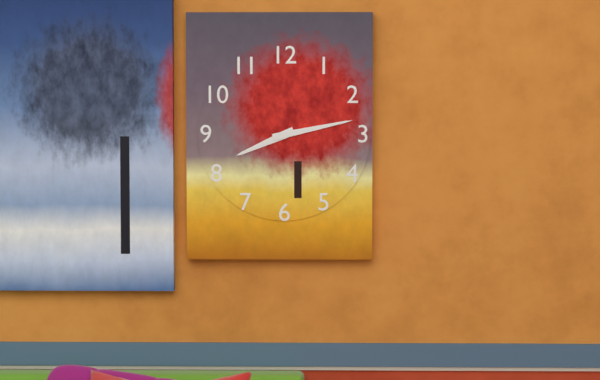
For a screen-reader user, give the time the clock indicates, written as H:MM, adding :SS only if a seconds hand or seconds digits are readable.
8:13
